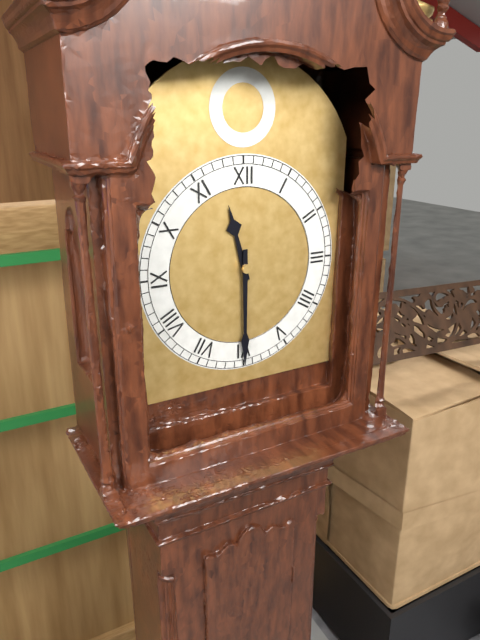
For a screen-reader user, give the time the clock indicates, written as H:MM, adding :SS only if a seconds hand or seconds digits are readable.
11:30
